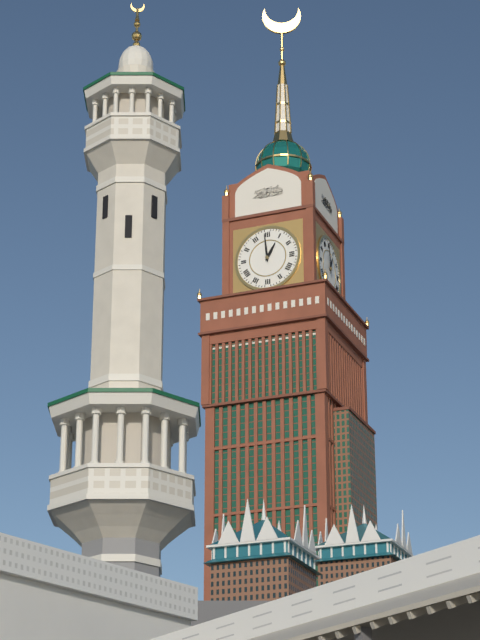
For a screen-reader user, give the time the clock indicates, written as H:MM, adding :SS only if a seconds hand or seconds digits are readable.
12:59
